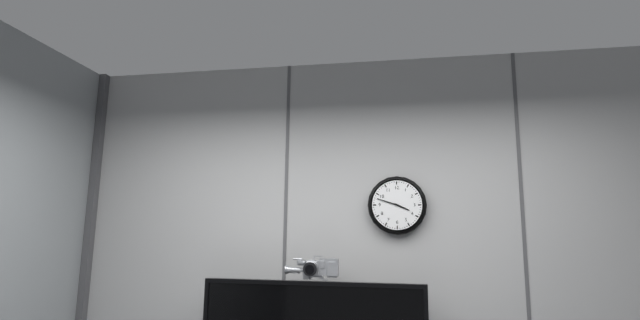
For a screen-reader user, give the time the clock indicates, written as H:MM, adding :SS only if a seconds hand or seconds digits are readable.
3:48
